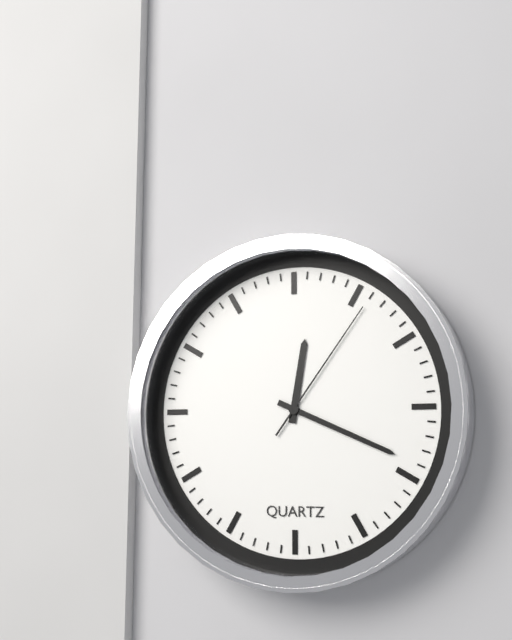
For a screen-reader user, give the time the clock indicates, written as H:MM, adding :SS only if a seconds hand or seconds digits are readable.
12:19:06
